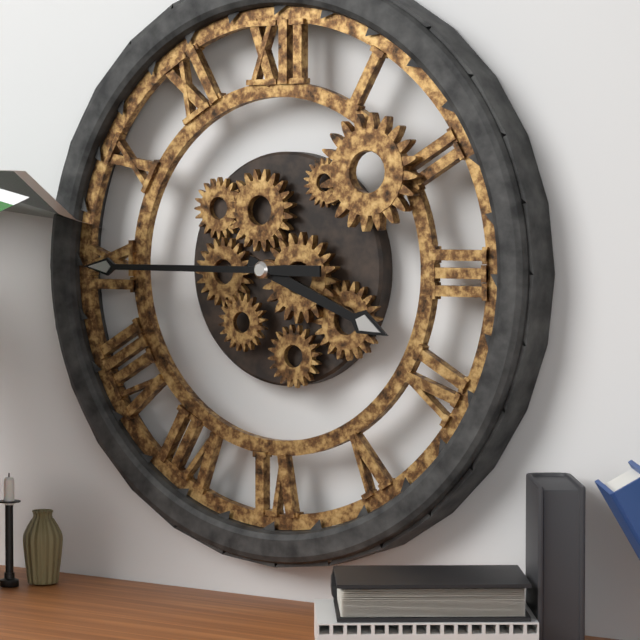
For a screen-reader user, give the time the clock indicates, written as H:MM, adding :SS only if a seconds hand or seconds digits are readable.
3:45
